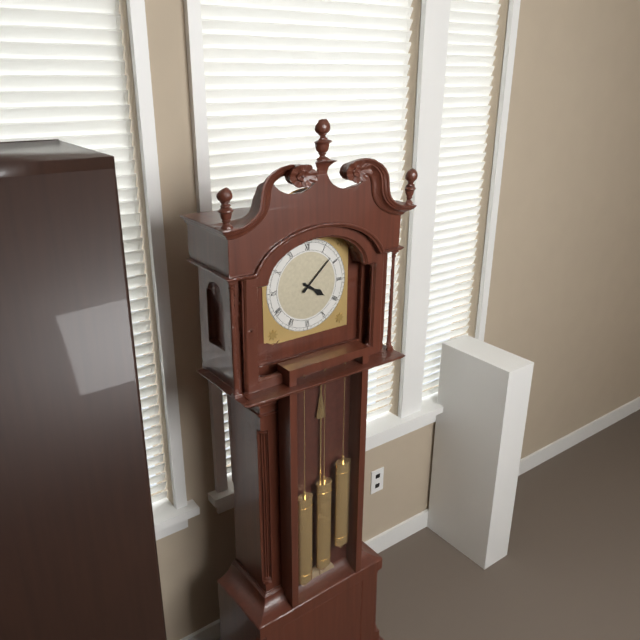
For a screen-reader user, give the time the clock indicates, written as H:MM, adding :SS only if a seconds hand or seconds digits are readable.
4:08
